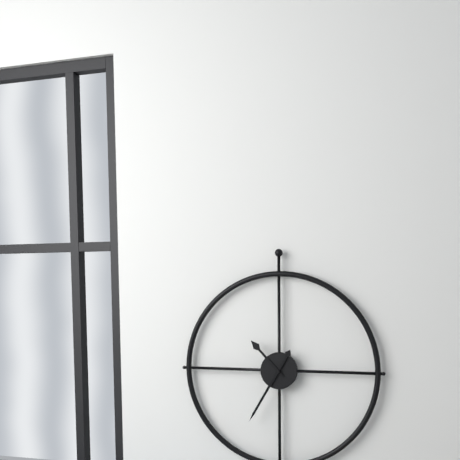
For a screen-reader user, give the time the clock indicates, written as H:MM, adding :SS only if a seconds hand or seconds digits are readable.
10:35
